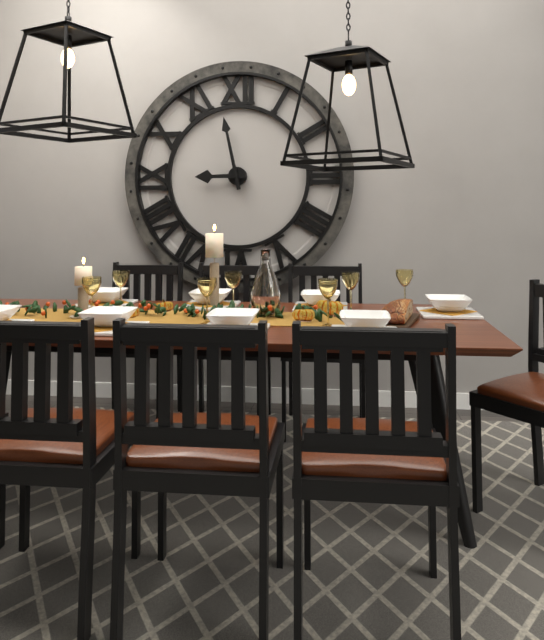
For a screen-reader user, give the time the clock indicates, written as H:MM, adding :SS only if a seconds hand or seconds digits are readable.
8:58
